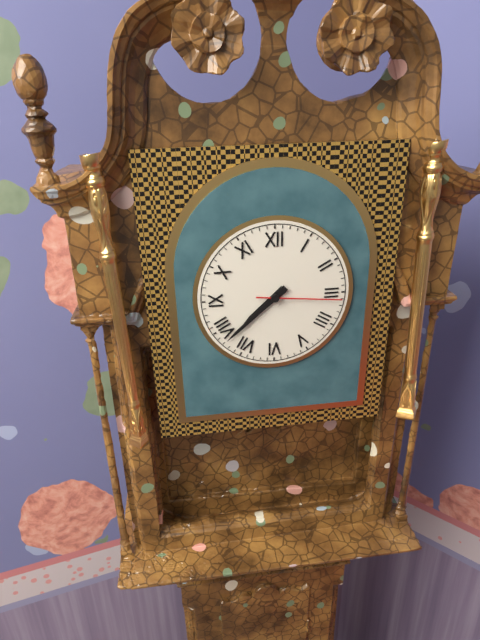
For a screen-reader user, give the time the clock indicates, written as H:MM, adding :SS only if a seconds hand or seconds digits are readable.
7:38:16
